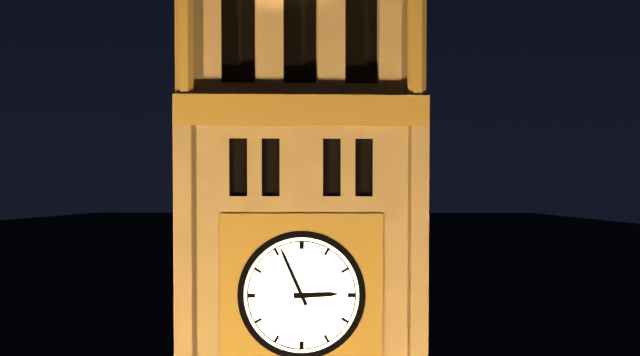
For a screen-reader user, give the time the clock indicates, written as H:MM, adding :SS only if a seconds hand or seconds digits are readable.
2:56
